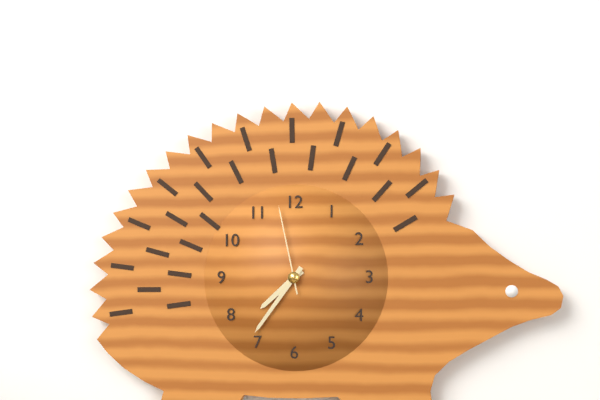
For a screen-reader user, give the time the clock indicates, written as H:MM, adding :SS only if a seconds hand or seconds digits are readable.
7:36:58
